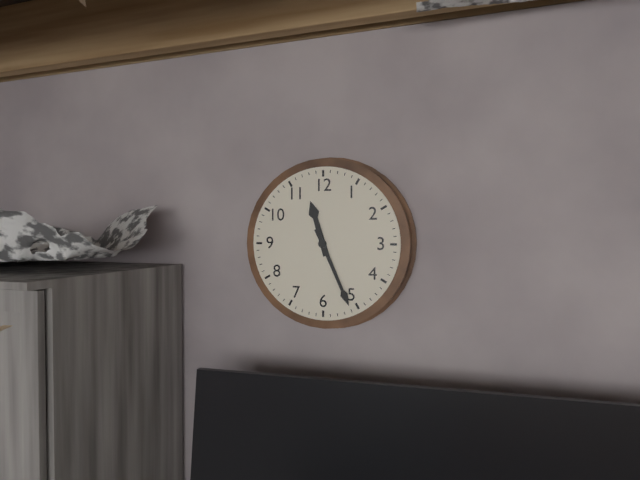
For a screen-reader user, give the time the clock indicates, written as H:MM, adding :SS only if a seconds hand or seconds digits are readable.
11:26
